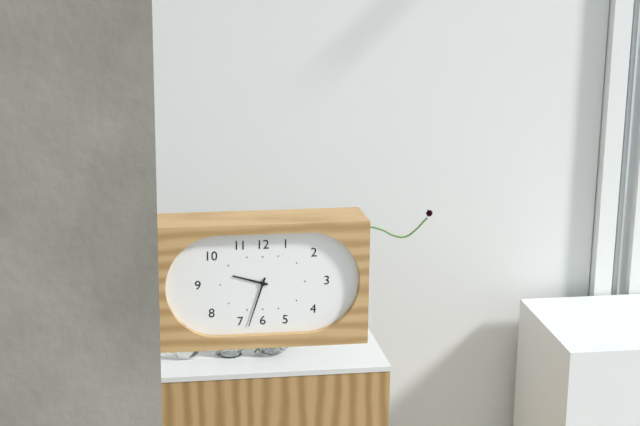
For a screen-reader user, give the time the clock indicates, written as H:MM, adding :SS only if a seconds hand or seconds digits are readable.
9:33
